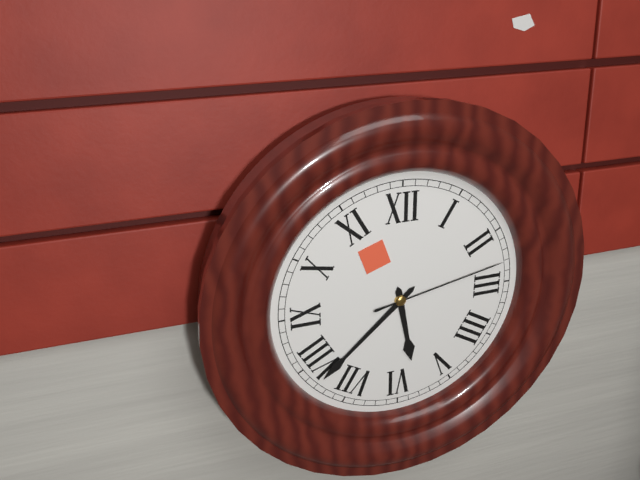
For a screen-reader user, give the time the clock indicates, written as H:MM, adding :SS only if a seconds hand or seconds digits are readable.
5:38:13
